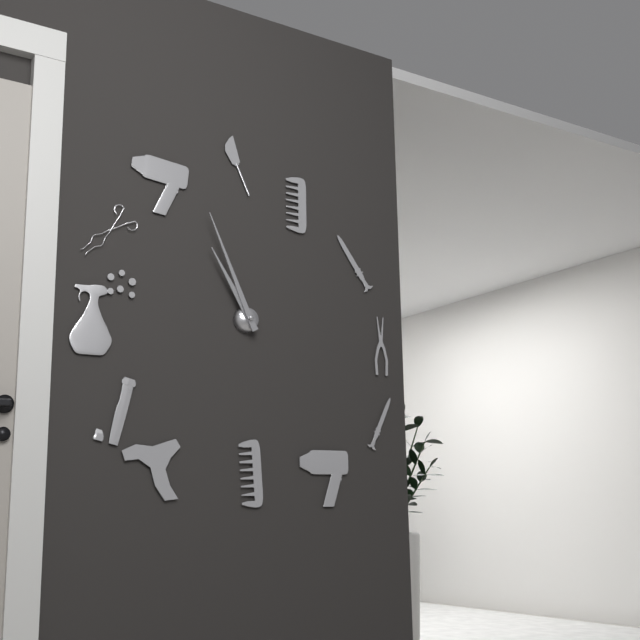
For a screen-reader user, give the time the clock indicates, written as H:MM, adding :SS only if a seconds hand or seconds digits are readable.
10:56
